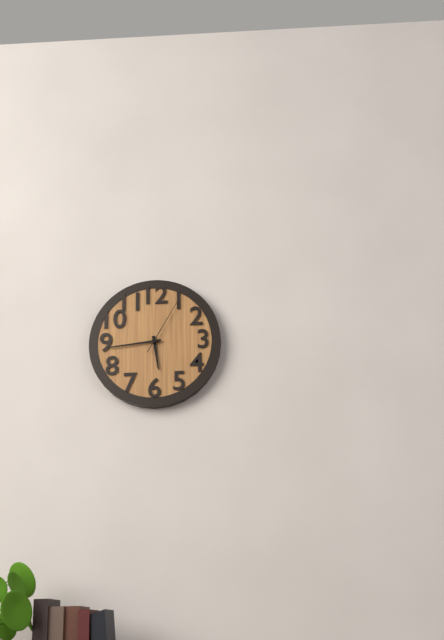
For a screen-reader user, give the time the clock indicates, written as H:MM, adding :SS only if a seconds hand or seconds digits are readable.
5:44:05
